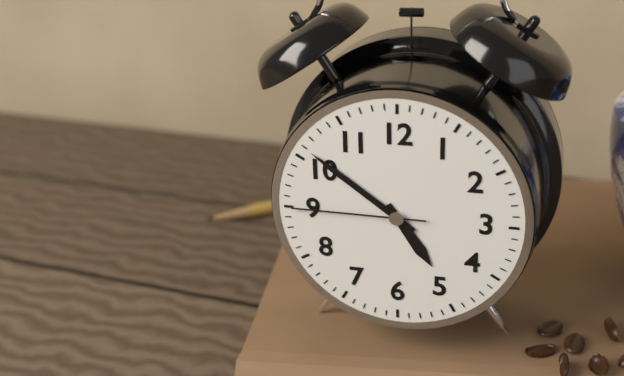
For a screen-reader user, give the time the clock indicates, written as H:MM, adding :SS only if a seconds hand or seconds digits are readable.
4:51:45
